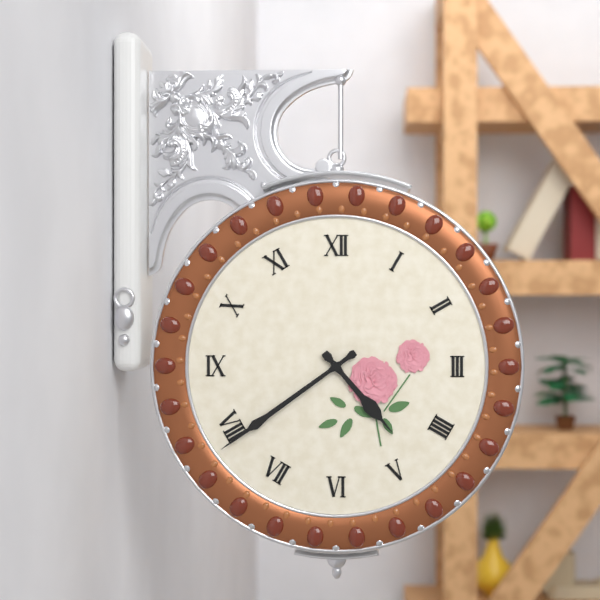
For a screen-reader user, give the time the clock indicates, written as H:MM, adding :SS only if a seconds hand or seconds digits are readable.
4:39
